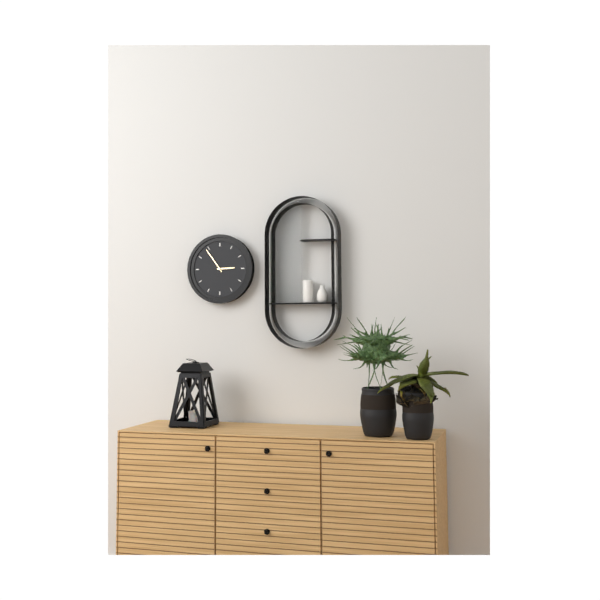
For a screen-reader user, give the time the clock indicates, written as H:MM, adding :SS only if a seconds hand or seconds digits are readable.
2:54
